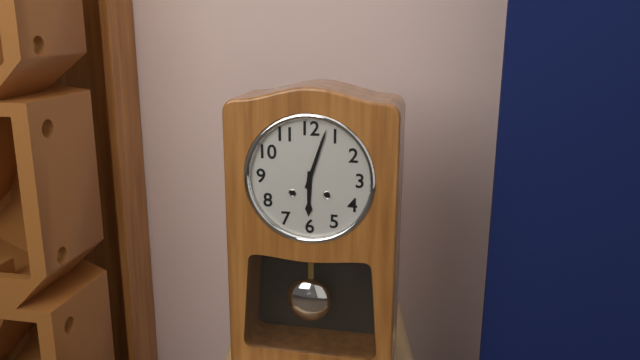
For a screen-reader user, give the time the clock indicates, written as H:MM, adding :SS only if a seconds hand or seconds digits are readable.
6:03
